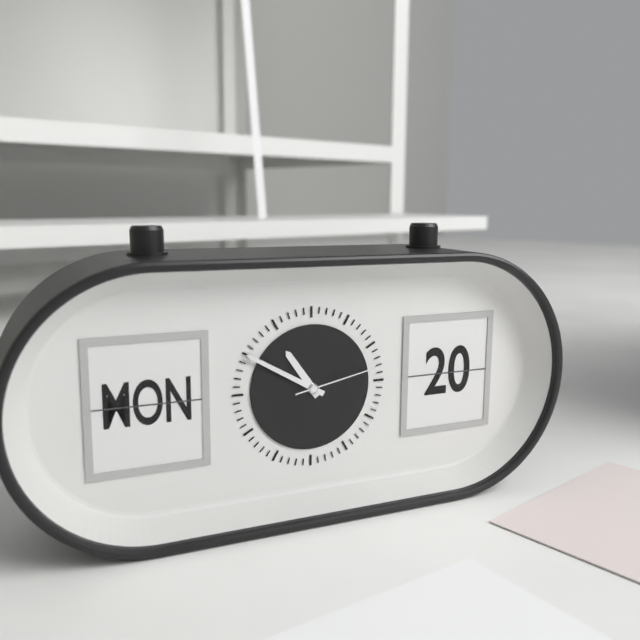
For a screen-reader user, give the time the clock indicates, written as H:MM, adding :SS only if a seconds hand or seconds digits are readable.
10:50:13
